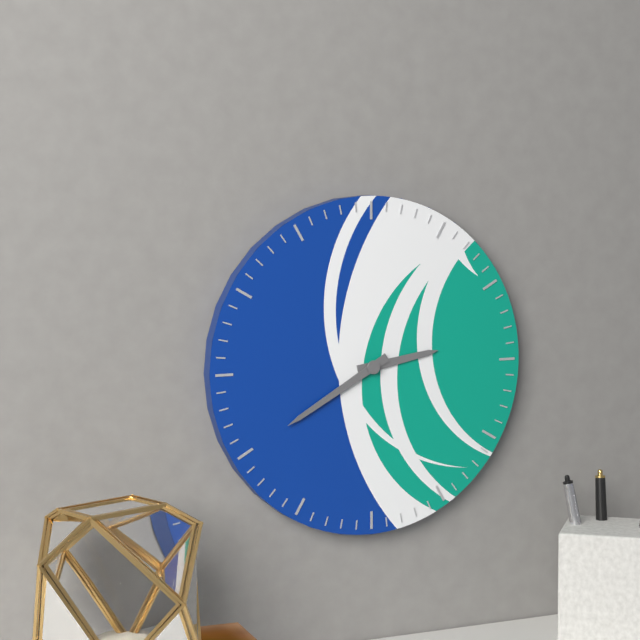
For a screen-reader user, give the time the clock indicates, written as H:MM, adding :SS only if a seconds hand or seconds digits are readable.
2:40
